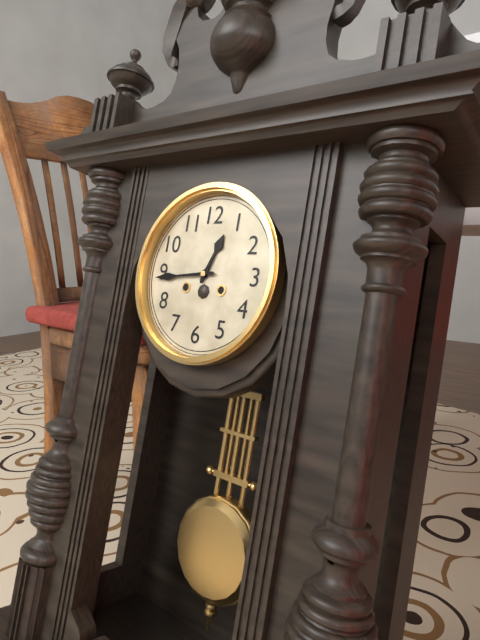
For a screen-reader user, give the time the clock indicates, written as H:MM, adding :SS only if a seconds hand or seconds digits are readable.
12:44
